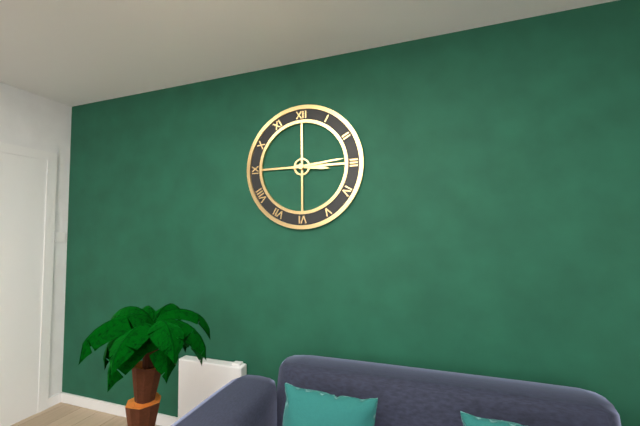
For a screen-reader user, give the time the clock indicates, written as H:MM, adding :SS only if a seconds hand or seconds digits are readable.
3:14
